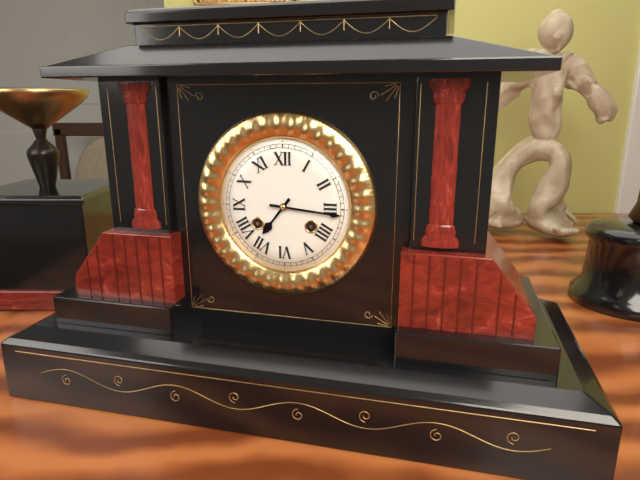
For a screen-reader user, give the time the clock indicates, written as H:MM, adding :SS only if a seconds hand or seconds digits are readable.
7:16
